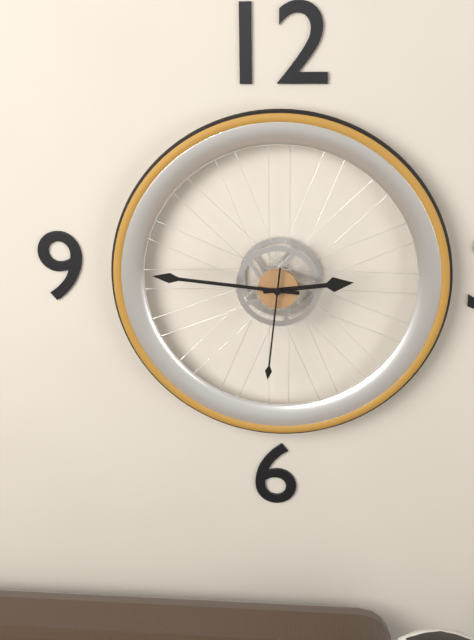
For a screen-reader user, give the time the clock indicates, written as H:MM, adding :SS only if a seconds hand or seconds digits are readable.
2:46:31
